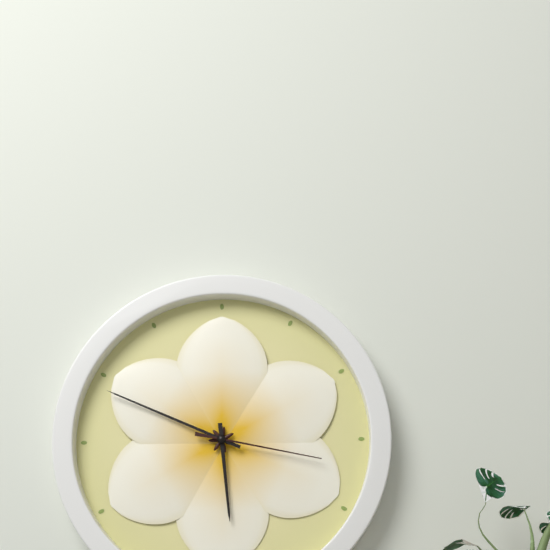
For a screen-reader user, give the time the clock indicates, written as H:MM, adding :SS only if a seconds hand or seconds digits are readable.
5:49:17
